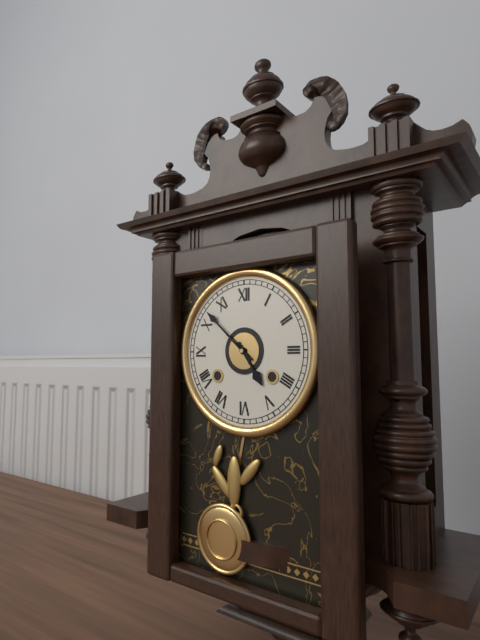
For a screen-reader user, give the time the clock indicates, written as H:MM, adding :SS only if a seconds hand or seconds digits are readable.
4:52
